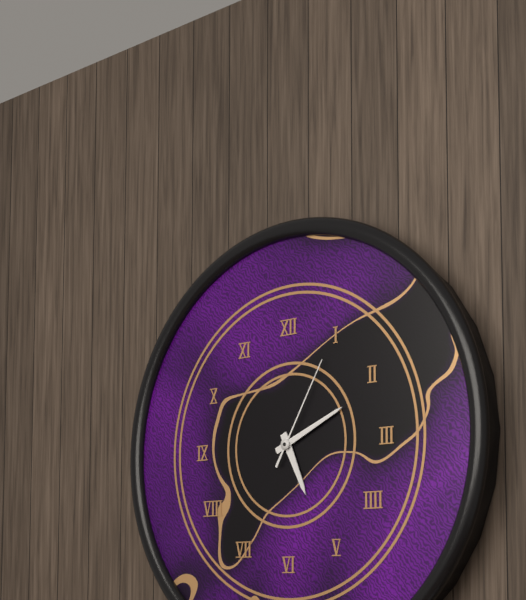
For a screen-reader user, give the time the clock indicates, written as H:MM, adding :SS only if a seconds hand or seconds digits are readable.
5:11:05
